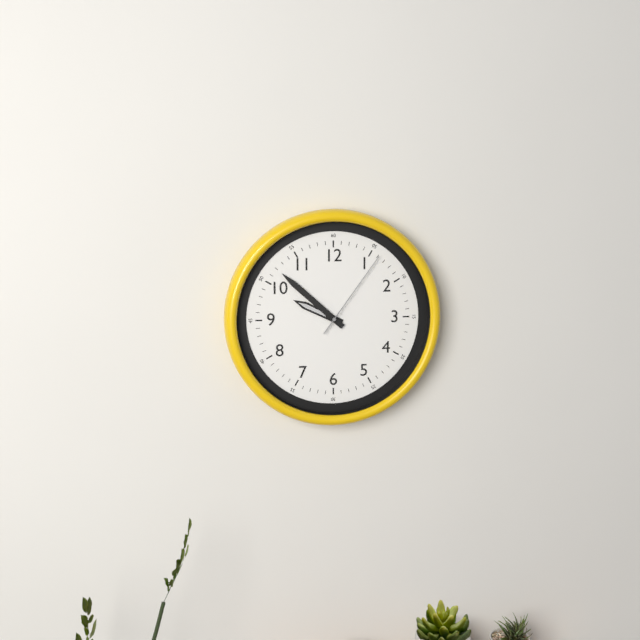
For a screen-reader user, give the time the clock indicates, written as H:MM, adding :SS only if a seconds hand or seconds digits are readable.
9:52:06
